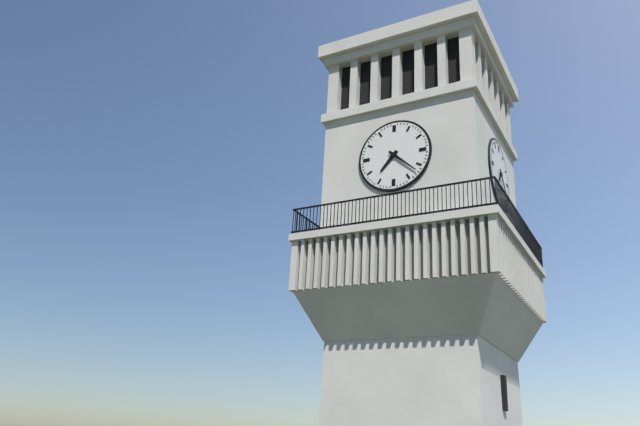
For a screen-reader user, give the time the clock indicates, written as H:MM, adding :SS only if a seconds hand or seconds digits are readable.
7:22
